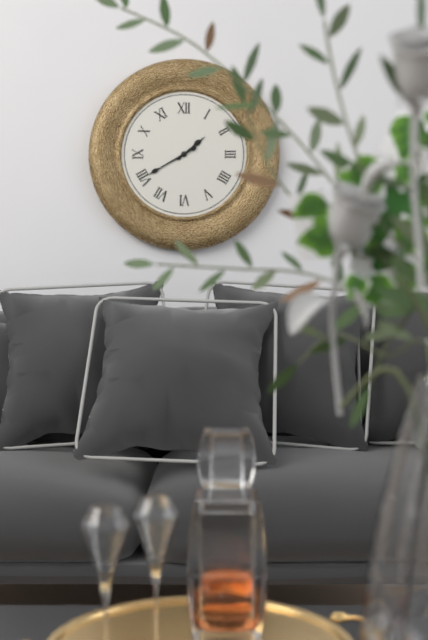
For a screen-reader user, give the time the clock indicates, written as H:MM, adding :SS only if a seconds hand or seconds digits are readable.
1:40
